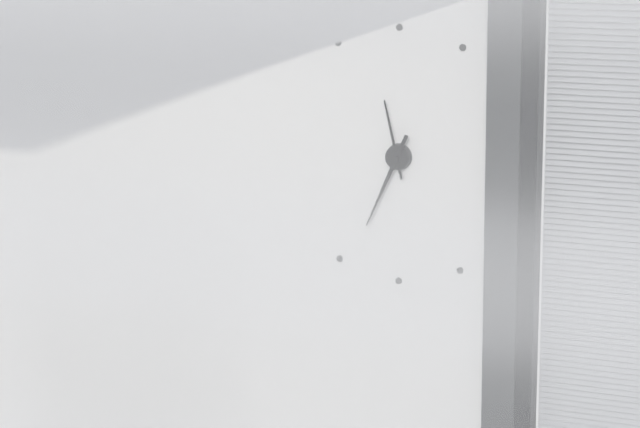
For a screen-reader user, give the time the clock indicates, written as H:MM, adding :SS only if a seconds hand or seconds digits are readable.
11:34
